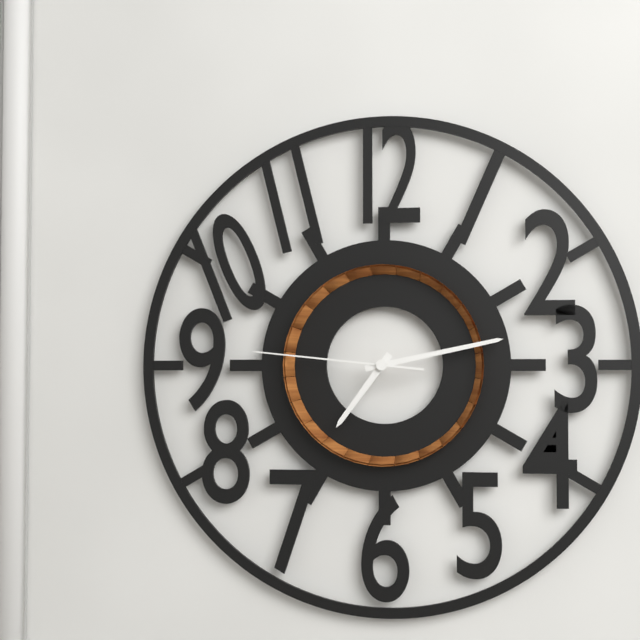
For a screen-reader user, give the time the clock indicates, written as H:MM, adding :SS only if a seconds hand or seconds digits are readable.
7:13:46
